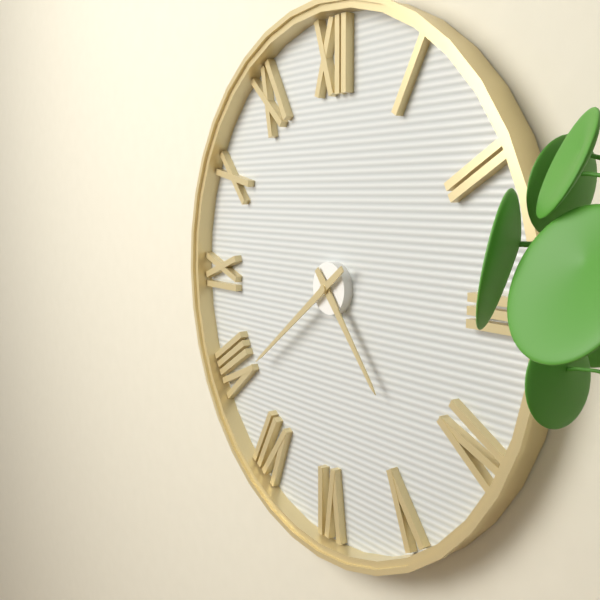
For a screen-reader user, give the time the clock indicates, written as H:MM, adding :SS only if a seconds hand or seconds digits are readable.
4:39
